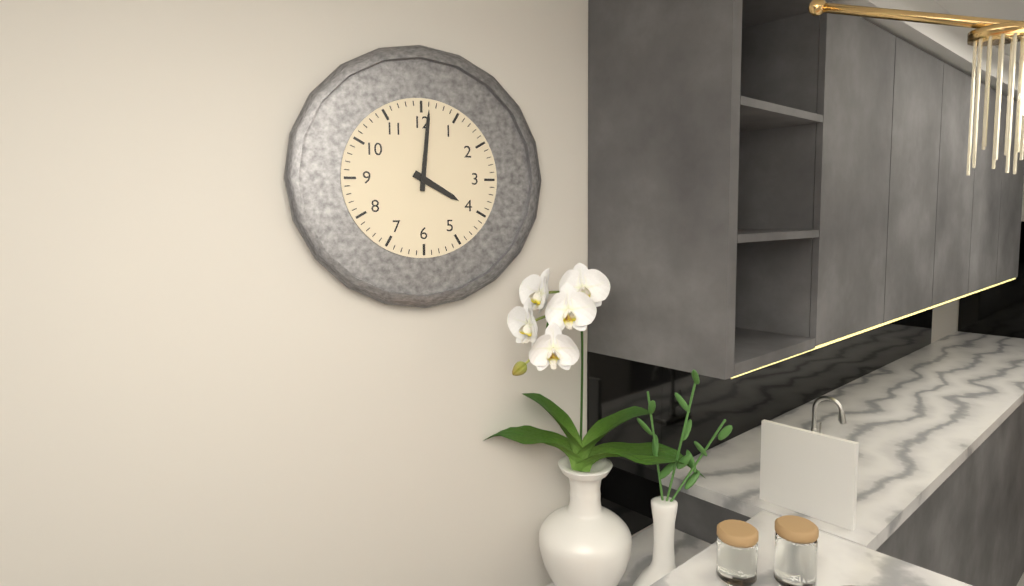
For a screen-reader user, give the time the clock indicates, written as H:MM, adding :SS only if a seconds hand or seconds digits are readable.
4:01
